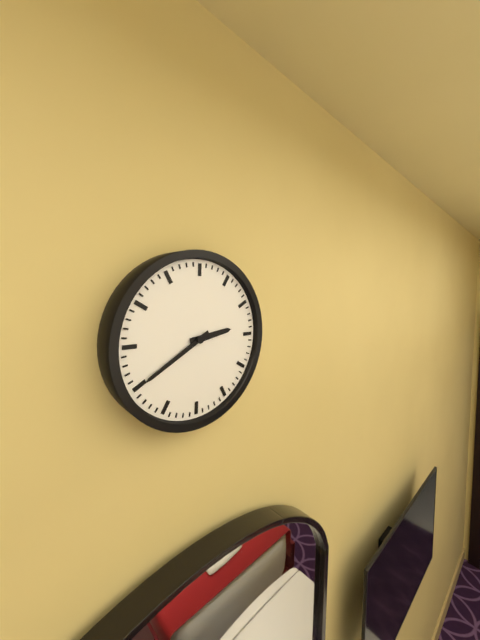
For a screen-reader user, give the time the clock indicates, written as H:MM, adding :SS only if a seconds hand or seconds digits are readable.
2:40
